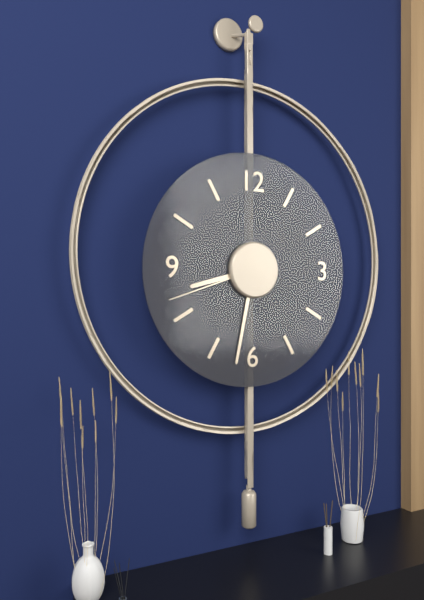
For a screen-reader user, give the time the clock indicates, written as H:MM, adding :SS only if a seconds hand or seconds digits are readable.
8:32:42
